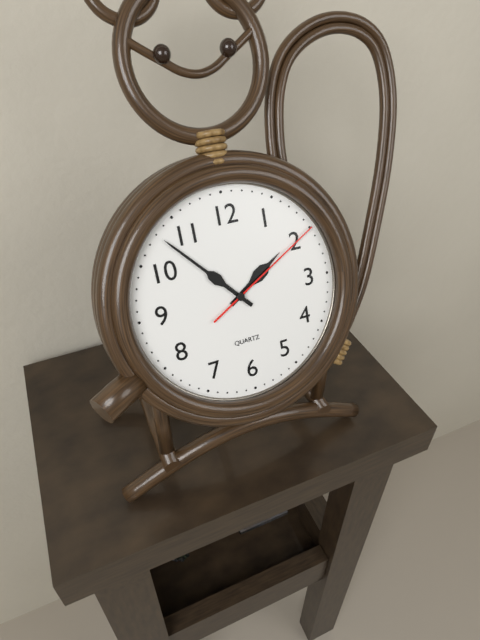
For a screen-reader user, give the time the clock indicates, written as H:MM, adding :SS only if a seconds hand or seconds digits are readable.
1:53:10
